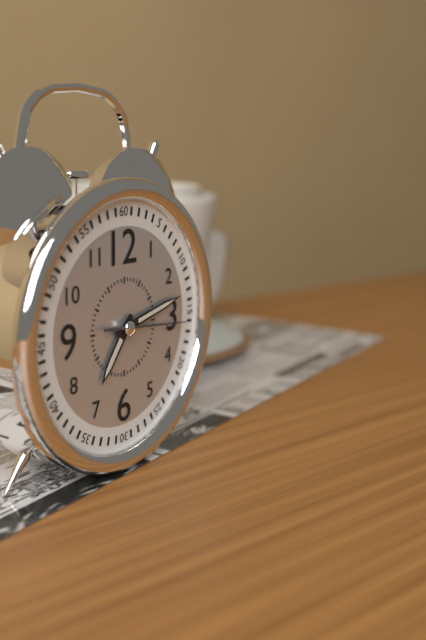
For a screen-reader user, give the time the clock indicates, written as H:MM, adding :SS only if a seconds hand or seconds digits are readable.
7:13:16
